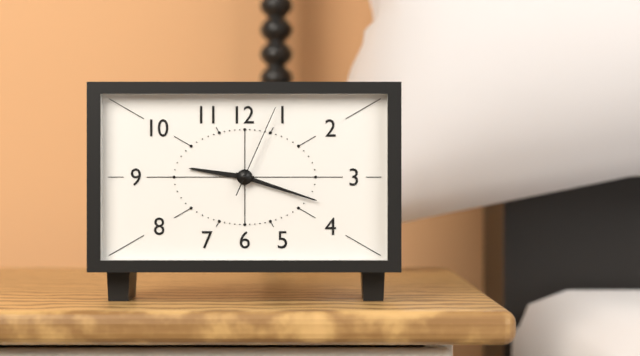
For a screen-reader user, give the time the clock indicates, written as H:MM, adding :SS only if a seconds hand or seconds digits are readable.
9:18:04
